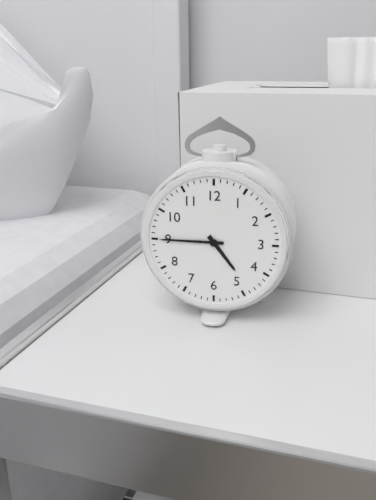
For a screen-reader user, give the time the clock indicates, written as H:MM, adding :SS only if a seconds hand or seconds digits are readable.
4:45
